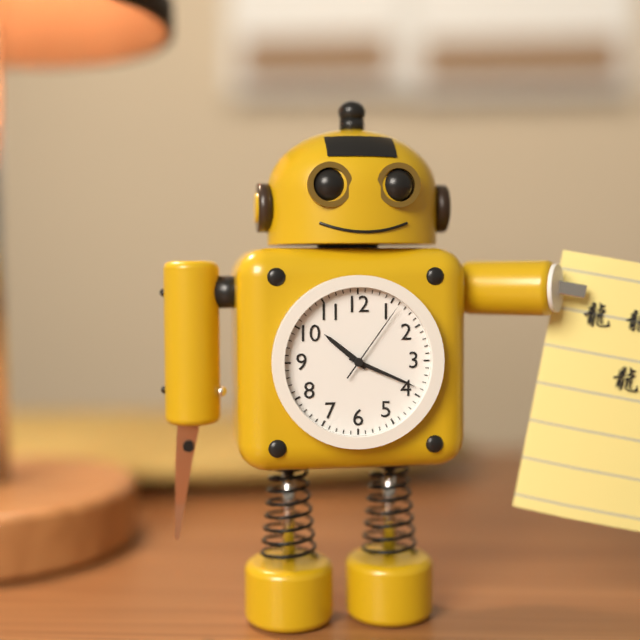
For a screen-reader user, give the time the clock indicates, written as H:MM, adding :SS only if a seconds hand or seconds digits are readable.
10:19:06
